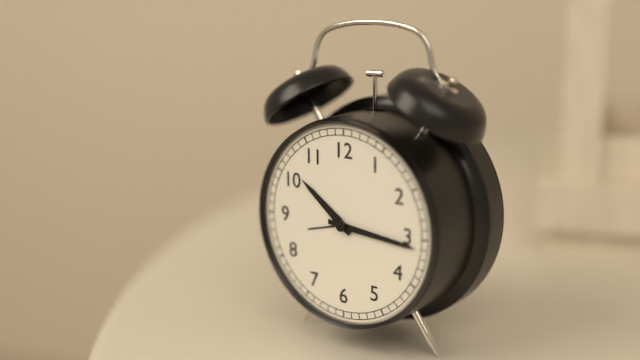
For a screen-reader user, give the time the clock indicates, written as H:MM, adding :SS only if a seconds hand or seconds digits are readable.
10:16
